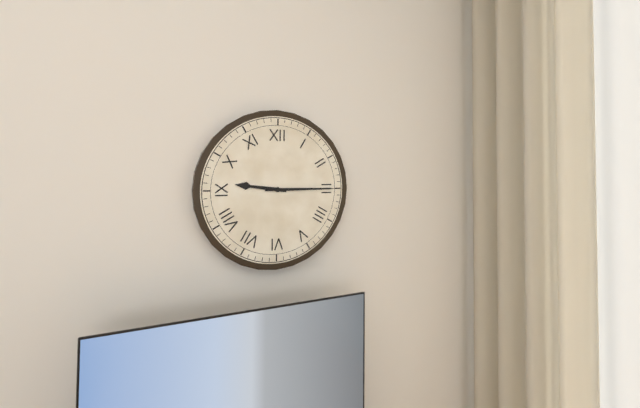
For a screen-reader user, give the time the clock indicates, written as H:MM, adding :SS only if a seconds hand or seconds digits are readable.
9:15
